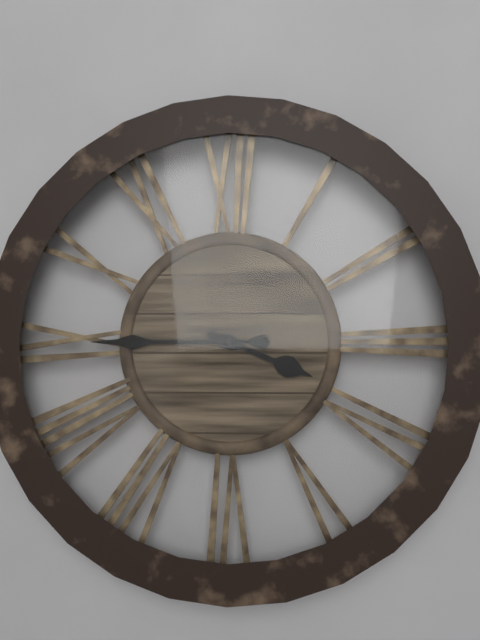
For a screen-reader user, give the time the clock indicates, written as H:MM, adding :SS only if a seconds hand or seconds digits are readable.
3:45
